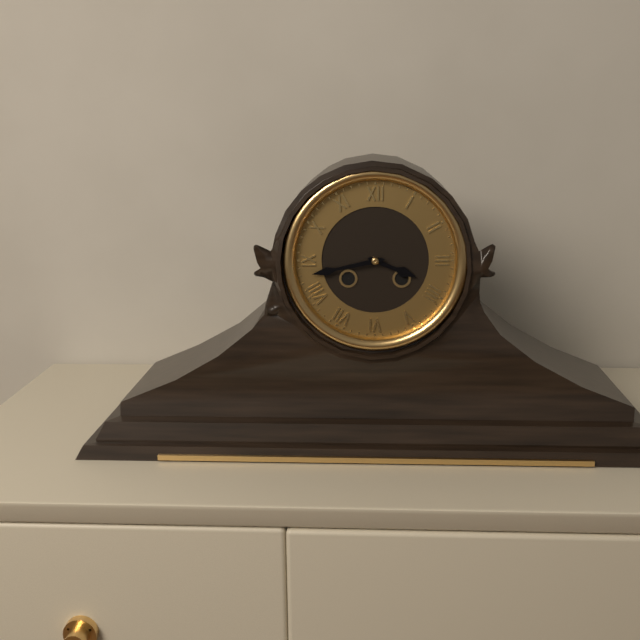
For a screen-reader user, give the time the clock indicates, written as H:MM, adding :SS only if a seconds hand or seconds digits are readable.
3:43
